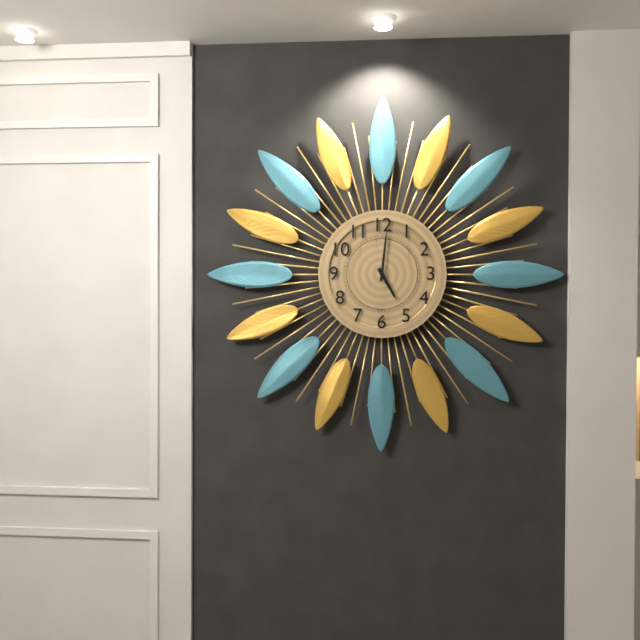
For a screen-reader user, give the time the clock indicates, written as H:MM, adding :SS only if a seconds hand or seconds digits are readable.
5:01
